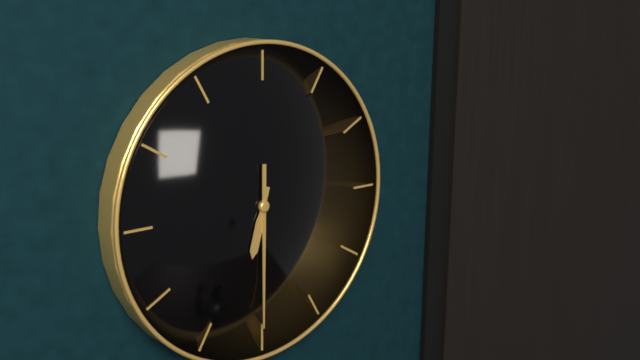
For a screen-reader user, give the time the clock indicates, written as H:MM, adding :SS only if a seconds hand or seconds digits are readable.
6:30
